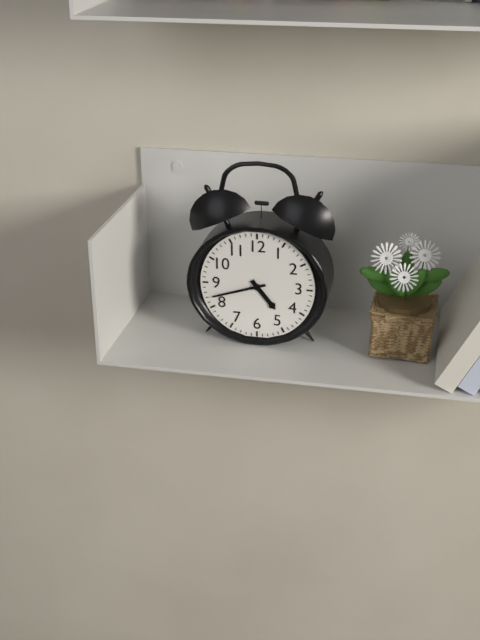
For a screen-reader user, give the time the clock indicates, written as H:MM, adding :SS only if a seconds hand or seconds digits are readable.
4:42
